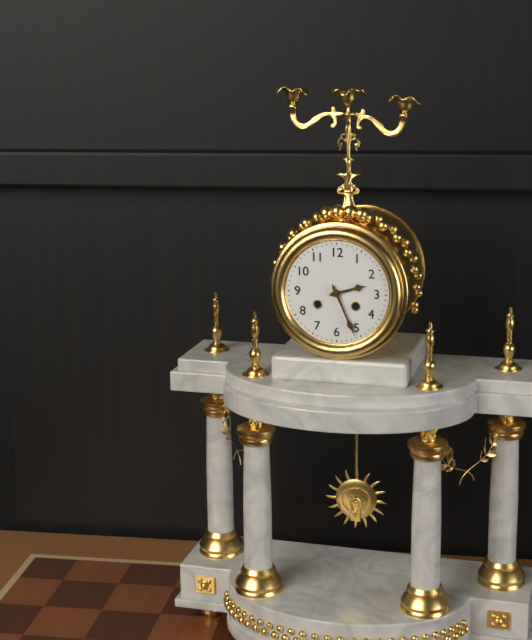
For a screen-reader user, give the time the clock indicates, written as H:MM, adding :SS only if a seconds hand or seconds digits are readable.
2:26
